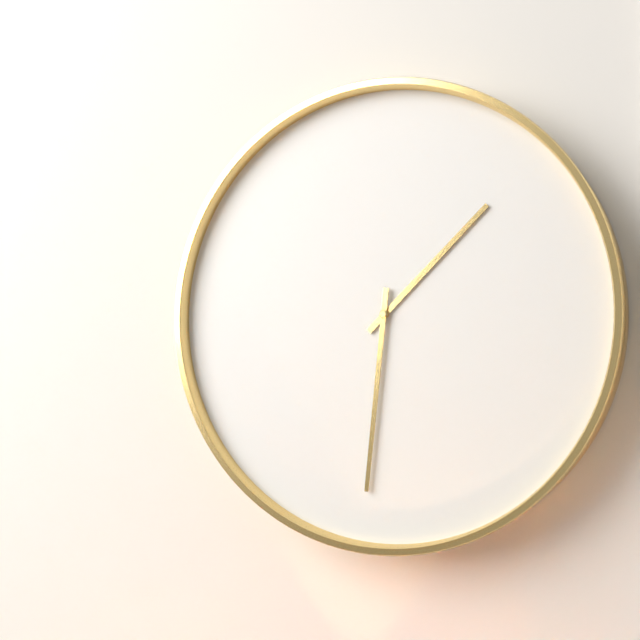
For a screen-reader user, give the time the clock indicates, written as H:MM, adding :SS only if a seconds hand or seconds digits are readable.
1:31
